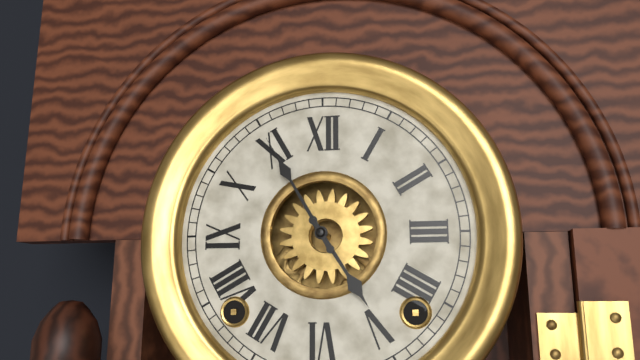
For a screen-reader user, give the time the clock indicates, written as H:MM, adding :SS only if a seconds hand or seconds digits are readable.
4:55
